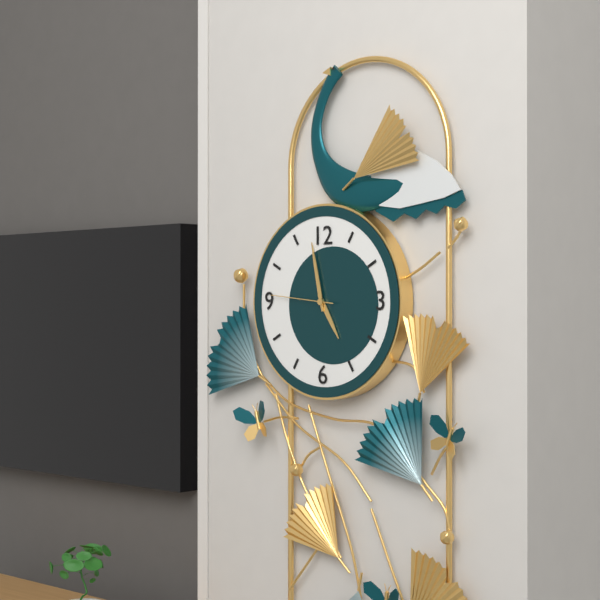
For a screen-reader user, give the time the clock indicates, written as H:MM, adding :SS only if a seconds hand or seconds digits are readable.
4:58:46
